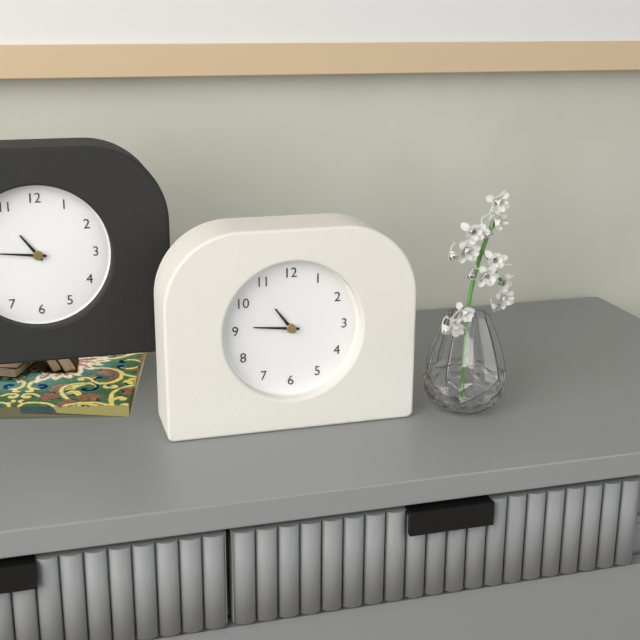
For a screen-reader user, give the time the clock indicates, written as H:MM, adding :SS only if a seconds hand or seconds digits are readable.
10:46
